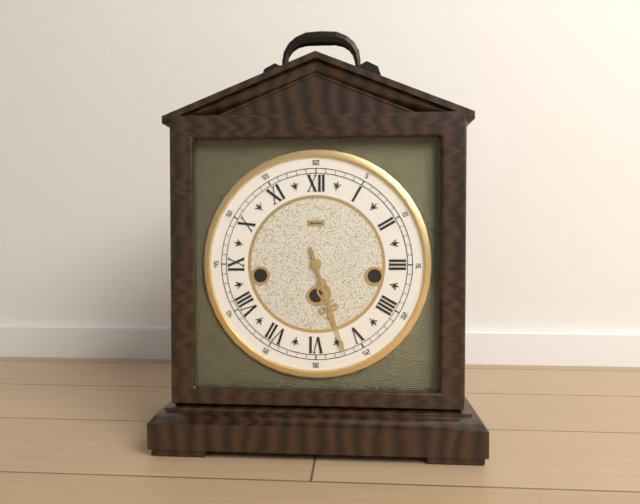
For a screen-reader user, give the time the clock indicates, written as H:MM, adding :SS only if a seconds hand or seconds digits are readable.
5:27
